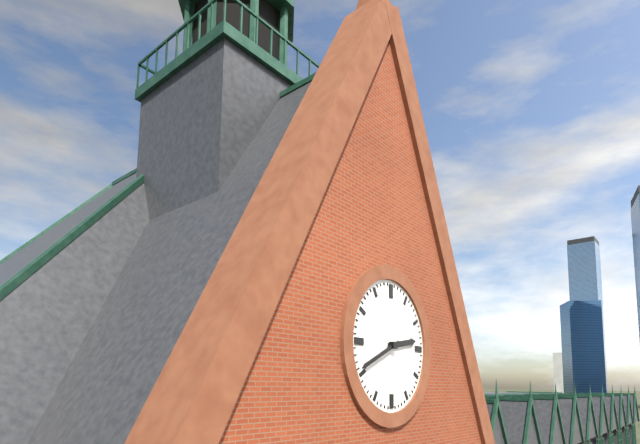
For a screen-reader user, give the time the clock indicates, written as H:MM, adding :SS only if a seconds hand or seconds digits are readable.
2:41
